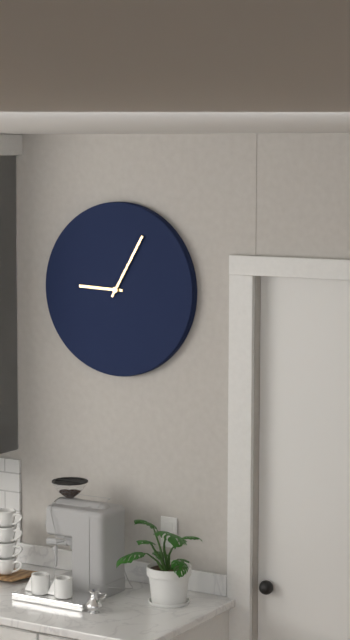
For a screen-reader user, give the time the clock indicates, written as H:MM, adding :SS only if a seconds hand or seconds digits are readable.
9:05
